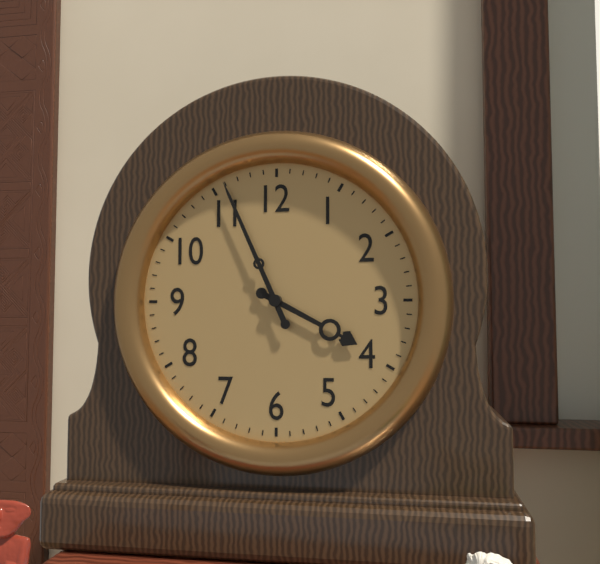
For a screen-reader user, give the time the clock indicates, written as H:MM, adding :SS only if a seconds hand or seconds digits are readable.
3:56
